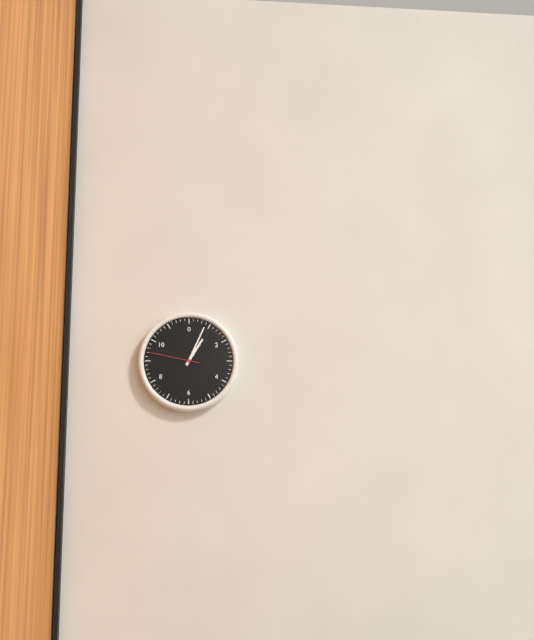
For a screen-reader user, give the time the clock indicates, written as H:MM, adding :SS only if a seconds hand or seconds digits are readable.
1:04:47
